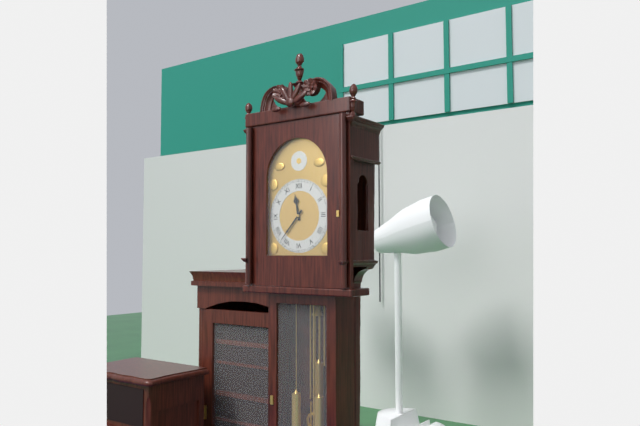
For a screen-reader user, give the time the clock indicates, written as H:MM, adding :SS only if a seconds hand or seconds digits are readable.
11:37
